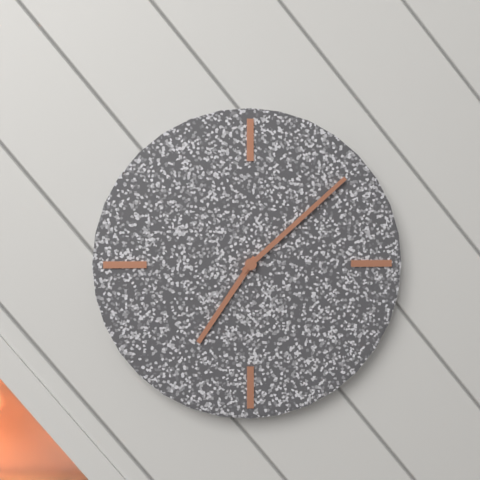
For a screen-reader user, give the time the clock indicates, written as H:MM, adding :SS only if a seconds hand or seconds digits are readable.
7:08
